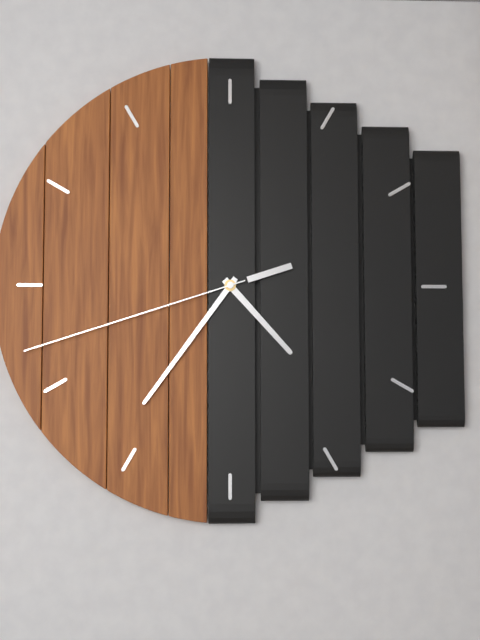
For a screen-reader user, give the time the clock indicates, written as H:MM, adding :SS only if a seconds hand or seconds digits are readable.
4:36:42
